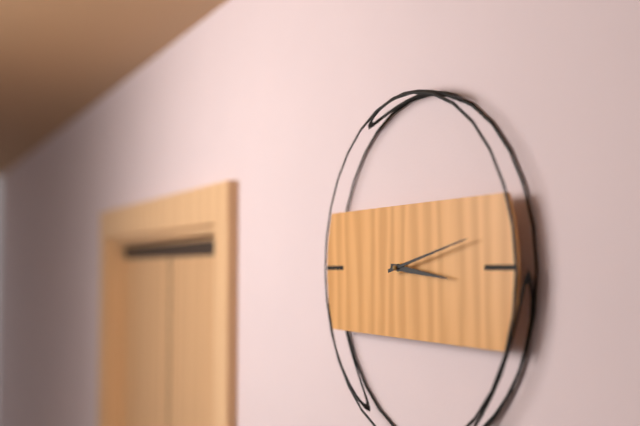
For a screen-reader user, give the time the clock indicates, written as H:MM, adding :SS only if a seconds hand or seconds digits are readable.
3:13
